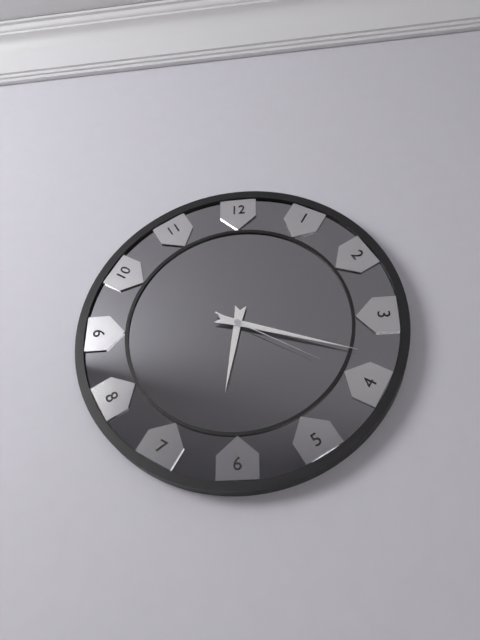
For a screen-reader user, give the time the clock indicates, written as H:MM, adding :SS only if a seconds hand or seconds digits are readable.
6:18:20
